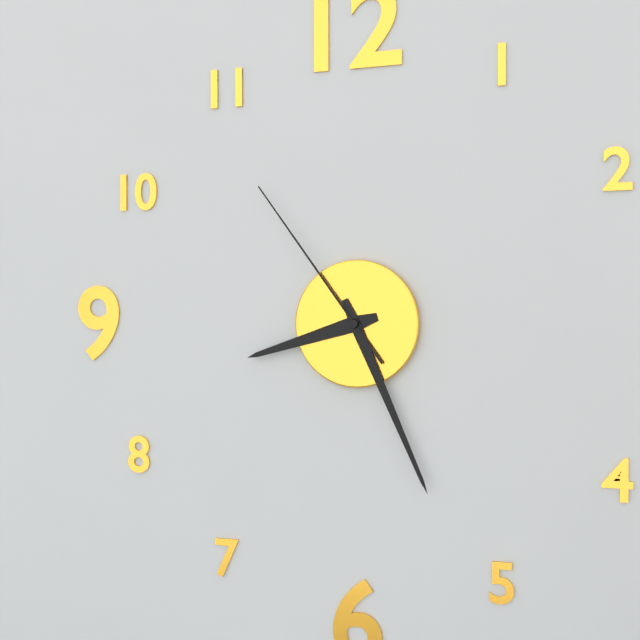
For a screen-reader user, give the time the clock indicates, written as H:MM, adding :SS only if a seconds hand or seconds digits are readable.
8:26:54
